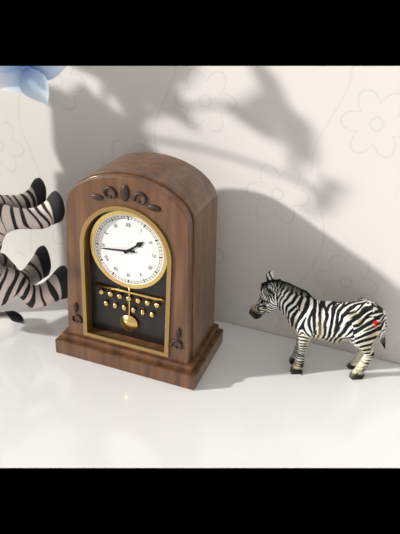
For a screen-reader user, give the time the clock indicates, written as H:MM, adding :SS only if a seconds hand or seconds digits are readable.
1:44
